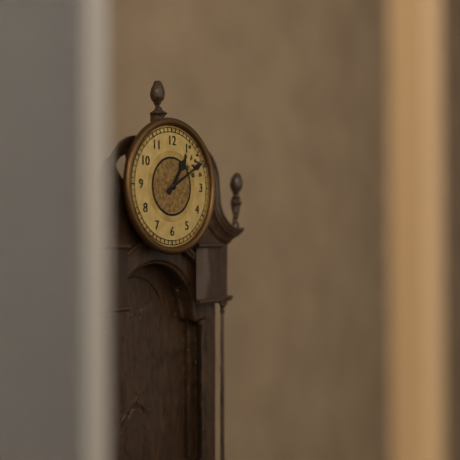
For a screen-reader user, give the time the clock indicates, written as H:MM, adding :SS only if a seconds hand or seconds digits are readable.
1:10
